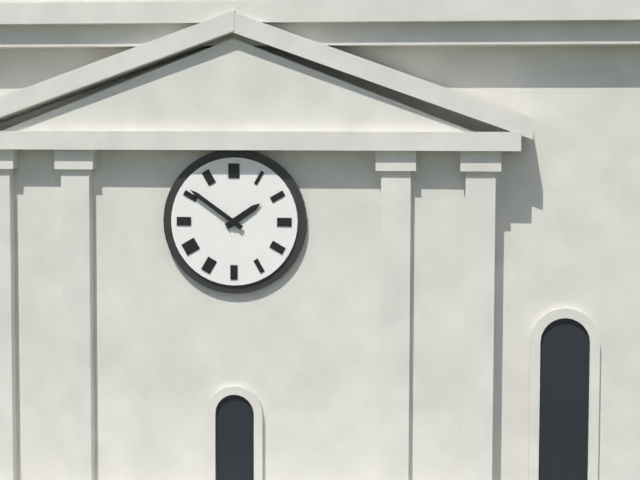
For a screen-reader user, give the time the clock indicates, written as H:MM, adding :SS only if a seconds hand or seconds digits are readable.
1:51
